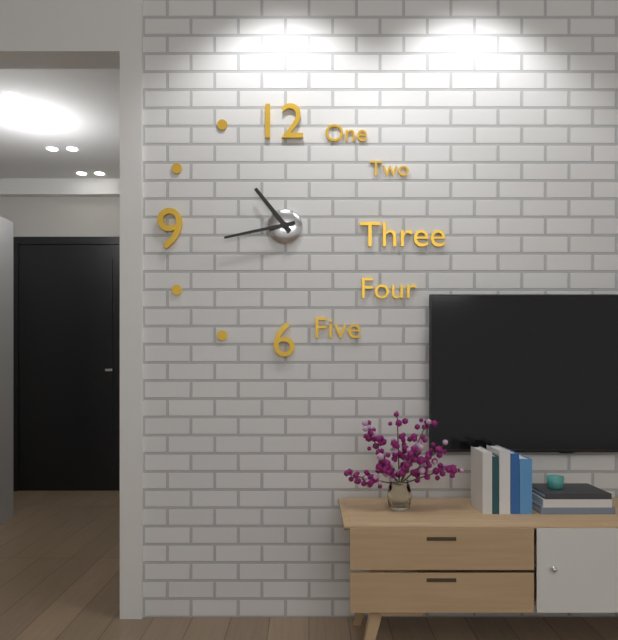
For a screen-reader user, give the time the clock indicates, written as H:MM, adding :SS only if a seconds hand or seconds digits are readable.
10:43
